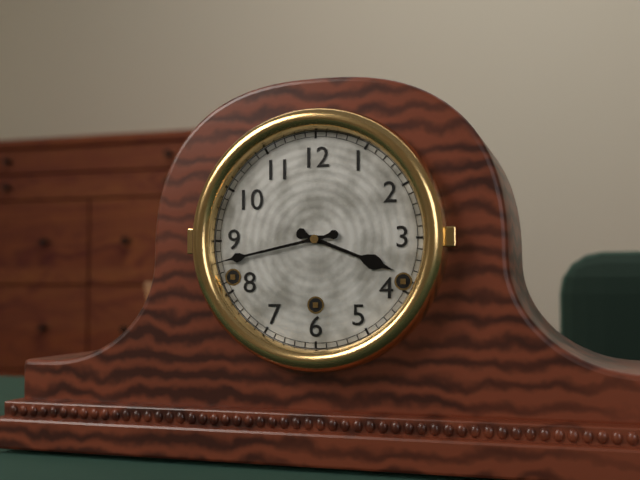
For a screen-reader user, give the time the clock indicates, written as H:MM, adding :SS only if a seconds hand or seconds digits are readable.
3:43
